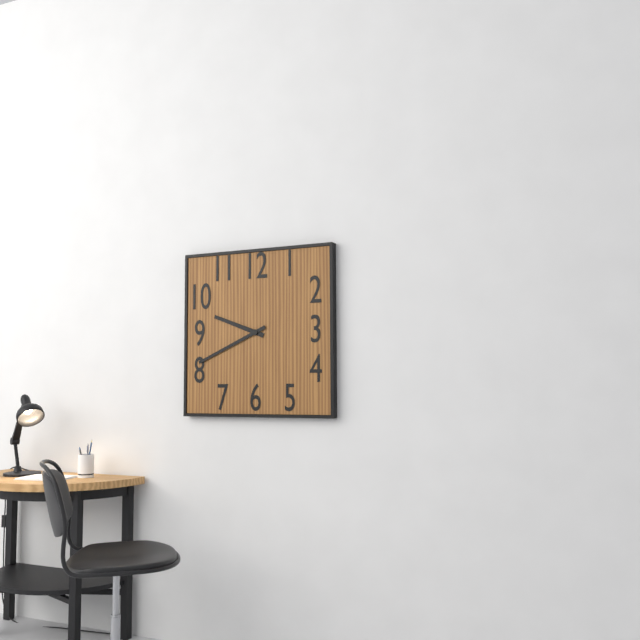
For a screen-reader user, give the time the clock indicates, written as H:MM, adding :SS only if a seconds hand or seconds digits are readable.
9:41
